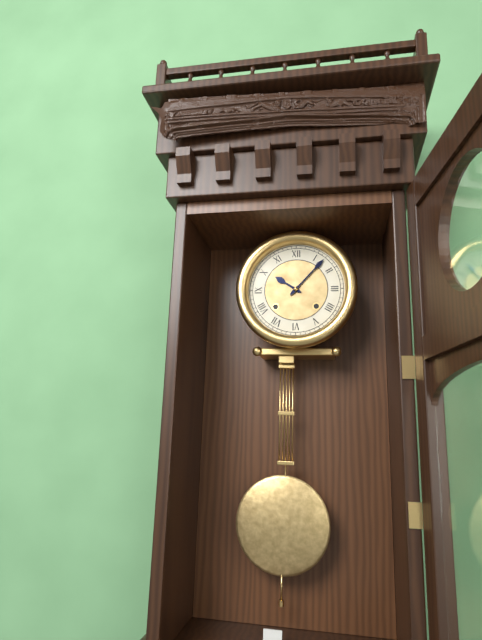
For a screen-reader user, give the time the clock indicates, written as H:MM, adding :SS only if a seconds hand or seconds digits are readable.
10:07
